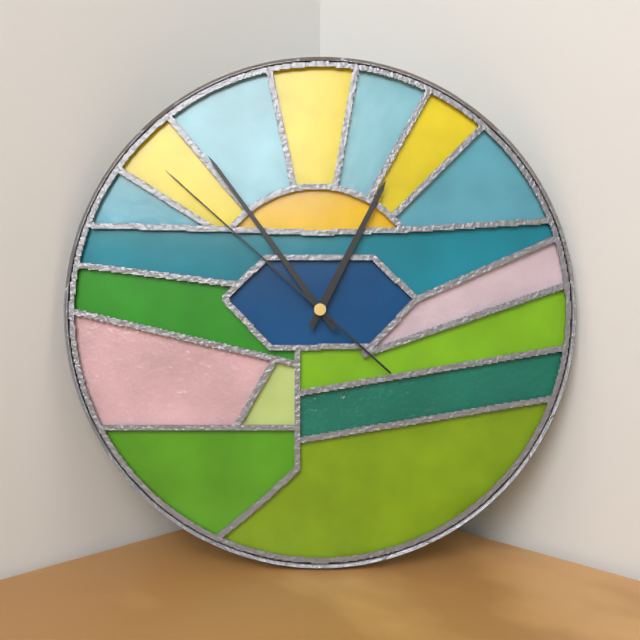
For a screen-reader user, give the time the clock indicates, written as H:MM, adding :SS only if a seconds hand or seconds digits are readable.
12:54:52
